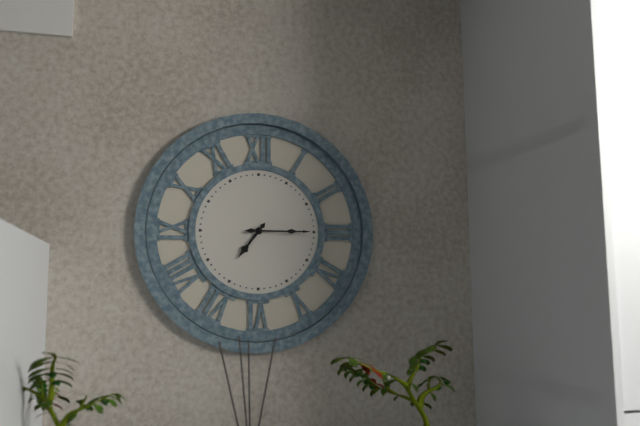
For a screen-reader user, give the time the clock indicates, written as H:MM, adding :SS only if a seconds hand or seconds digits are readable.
7:15
